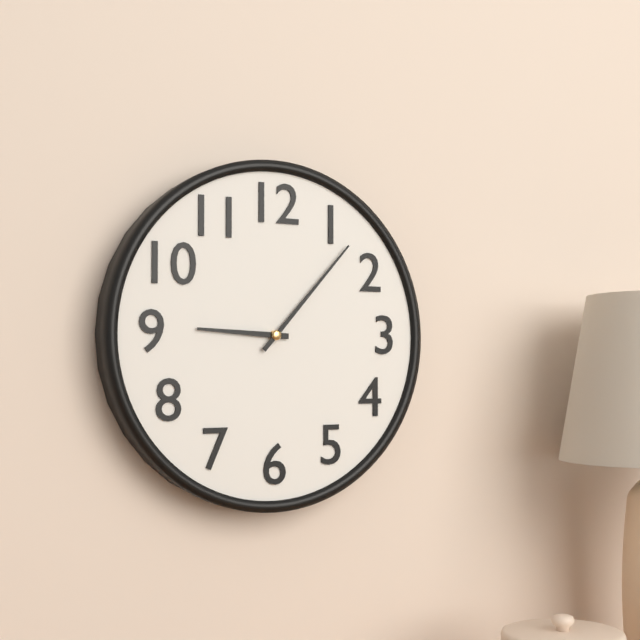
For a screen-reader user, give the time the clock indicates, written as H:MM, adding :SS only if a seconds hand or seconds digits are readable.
9:07
